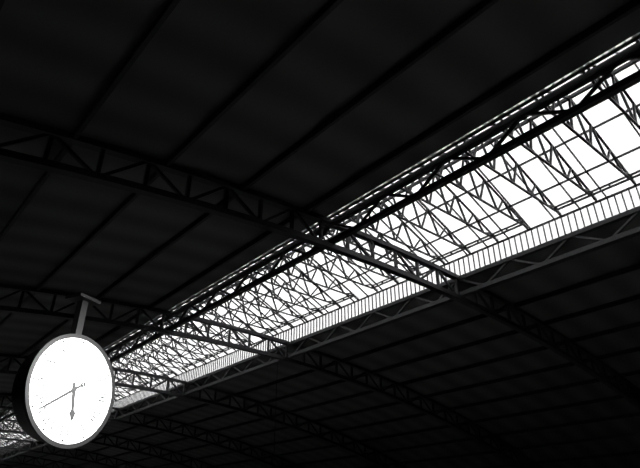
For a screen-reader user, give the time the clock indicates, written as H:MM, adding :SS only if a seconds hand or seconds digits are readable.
5:39
